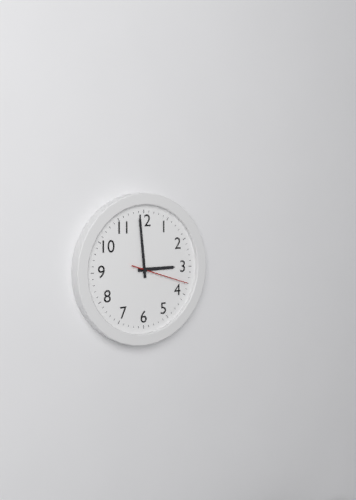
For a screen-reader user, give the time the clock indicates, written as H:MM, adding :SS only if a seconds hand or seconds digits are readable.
2:59:18
